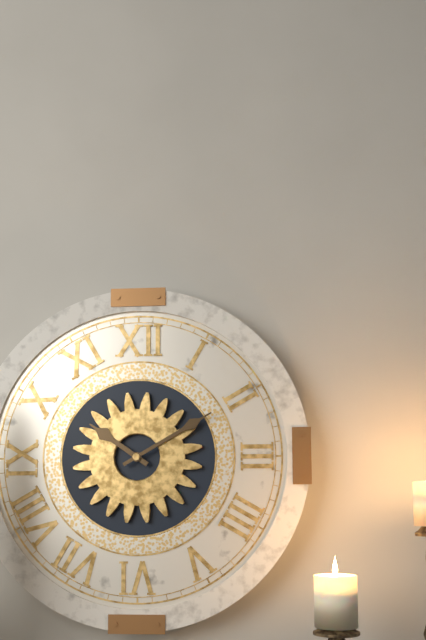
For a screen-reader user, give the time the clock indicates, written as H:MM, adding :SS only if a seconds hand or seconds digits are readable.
10:10
